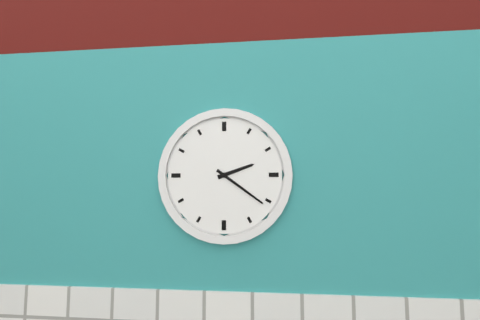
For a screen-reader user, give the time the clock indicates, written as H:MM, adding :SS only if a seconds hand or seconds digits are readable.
2:21
